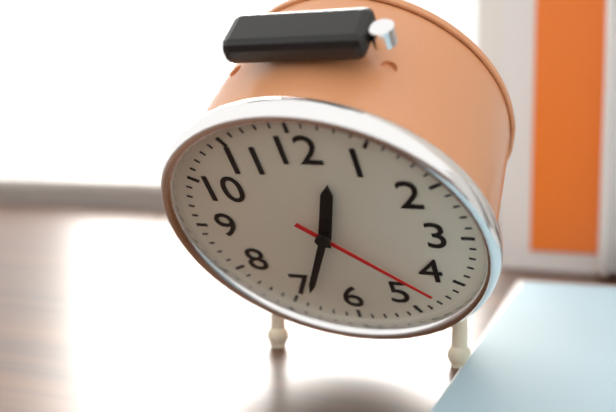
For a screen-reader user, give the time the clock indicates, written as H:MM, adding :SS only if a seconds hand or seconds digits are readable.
12:34:22
